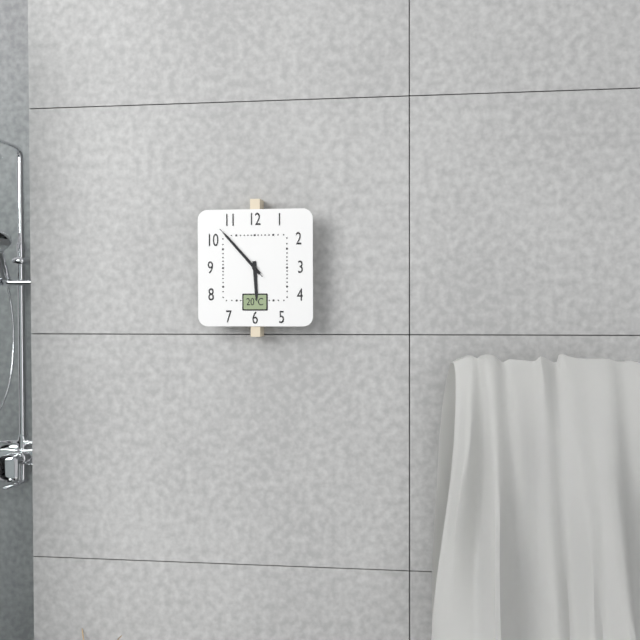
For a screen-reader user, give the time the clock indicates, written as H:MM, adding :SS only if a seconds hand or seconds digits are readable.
5:53:53
